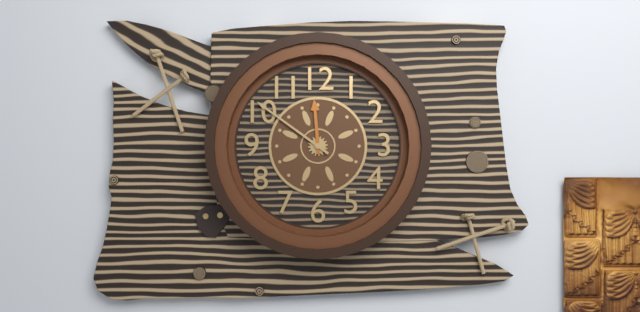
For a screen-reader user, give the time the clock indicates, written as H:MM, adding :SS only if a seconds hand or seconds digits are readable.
11:51
